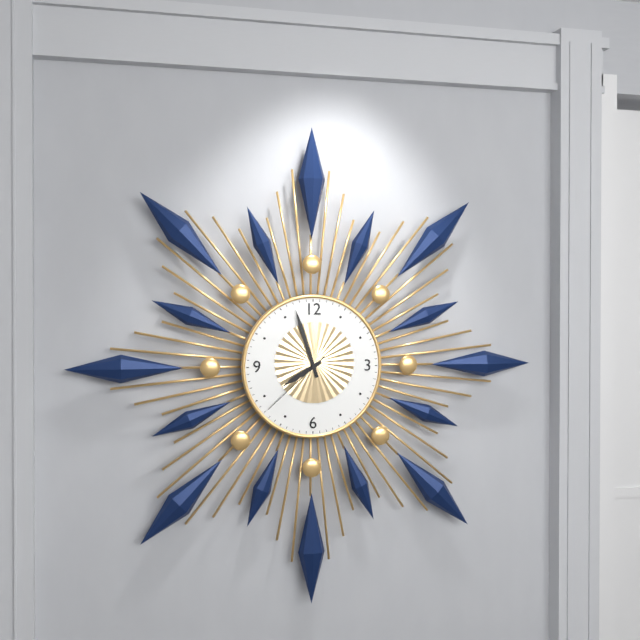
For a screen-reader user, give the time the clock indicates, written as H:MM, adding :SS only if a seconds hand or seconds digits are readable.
7:57:38
